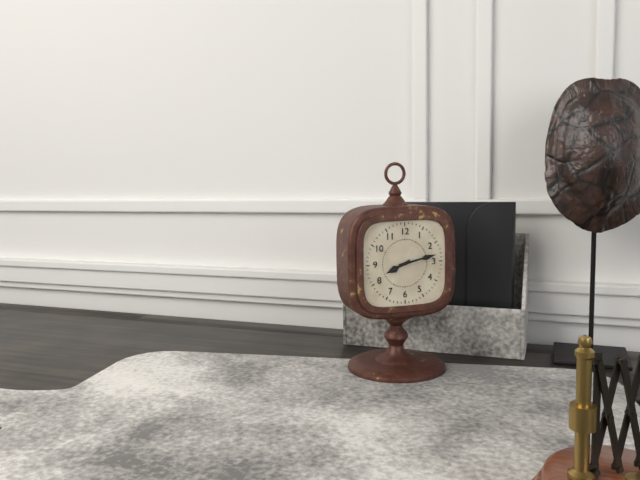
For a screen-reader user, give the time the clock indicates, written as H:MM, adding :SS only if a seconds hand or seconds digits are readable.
8:13
